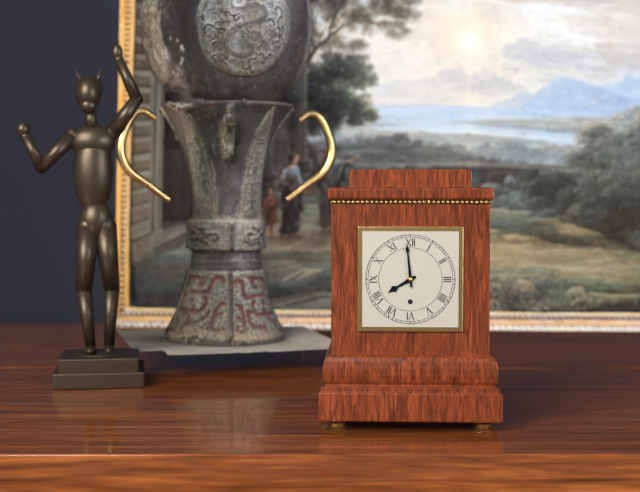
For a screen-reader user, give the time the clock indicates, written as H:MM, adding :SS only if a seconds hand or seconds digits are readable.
7:59
